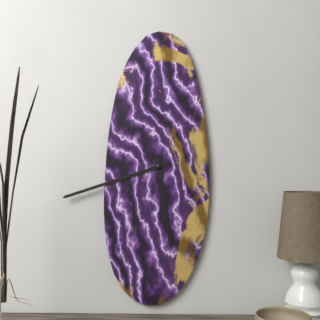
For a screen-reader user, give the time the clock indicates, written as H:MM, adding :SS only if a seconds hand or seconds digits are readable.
5:42
